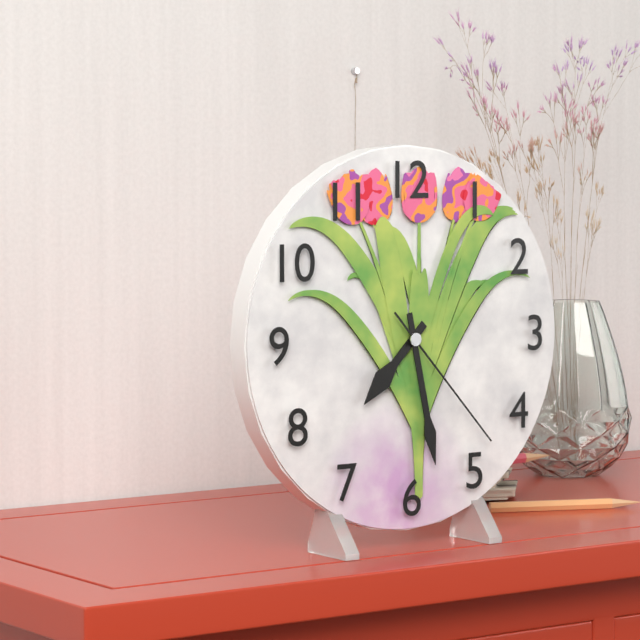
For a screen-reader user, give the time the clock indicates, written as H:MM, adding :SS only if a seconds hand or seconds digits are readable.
7:28:23
